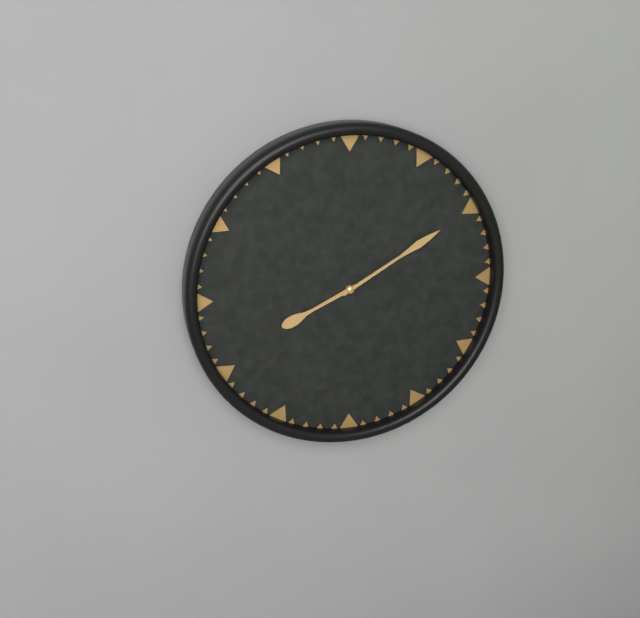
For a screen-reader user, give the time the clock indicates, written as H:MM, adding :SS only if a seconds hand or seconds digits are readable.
8:10
